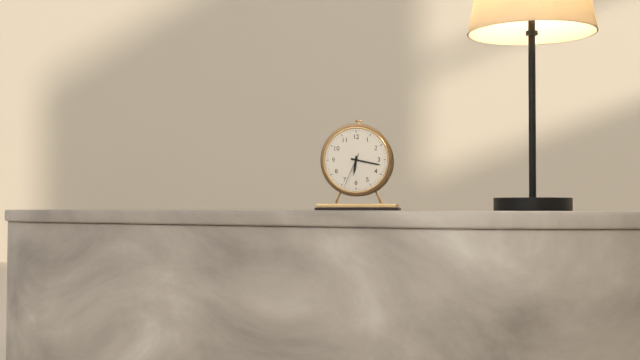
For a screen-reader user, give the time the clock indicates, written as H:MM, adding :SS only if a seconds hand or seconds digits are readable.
6:17
